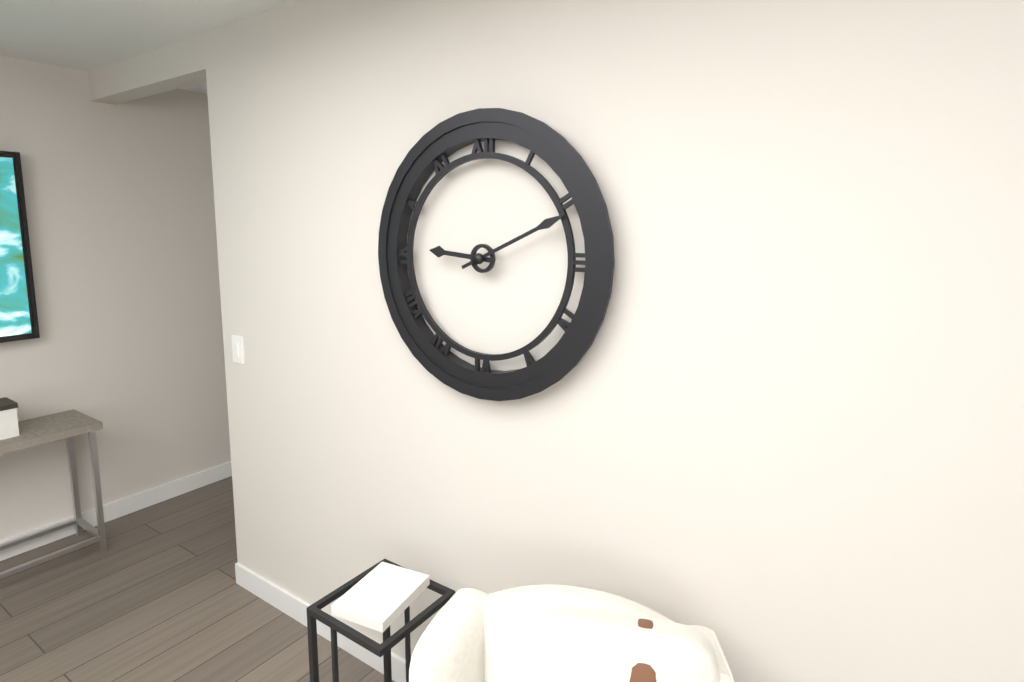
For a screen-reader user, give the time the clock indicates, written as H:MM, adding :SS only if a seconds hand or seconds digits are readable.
9:11
